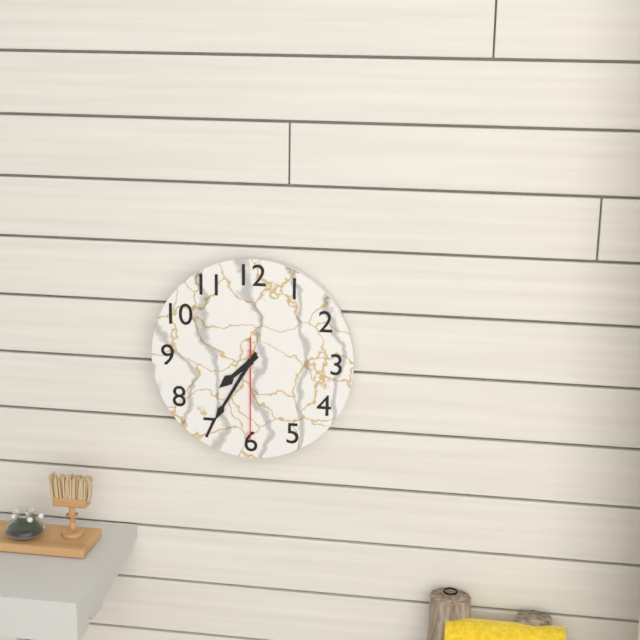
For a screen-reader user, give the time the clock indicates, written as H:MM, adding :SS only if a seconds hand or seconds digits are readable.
7:35:30
